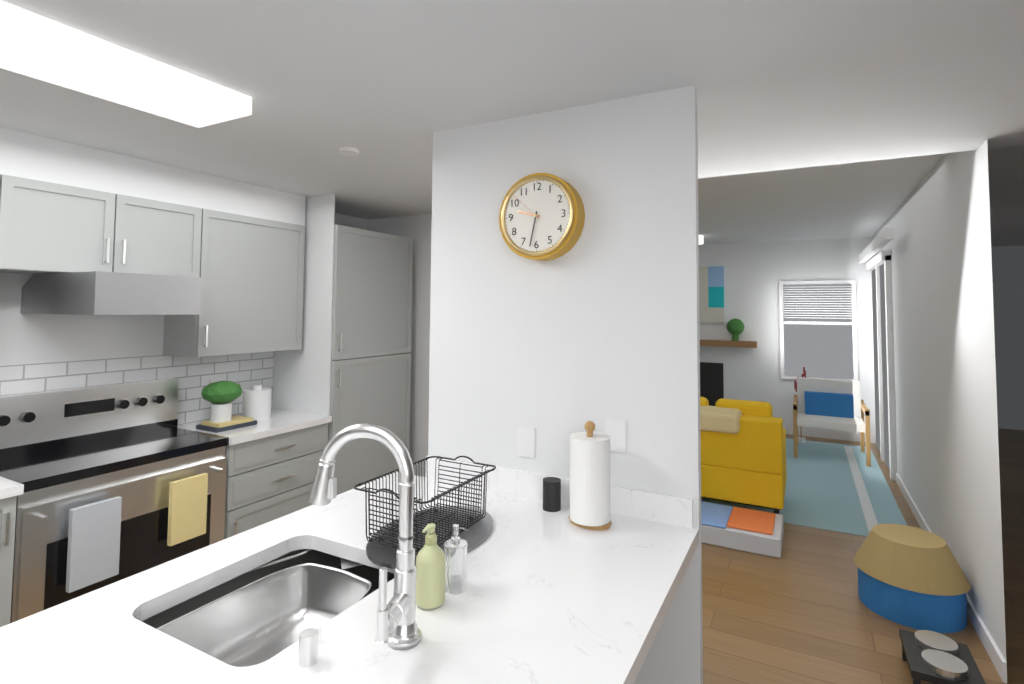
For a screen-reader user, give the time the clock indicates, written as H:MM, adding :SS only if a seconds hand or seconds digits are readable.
9:32
